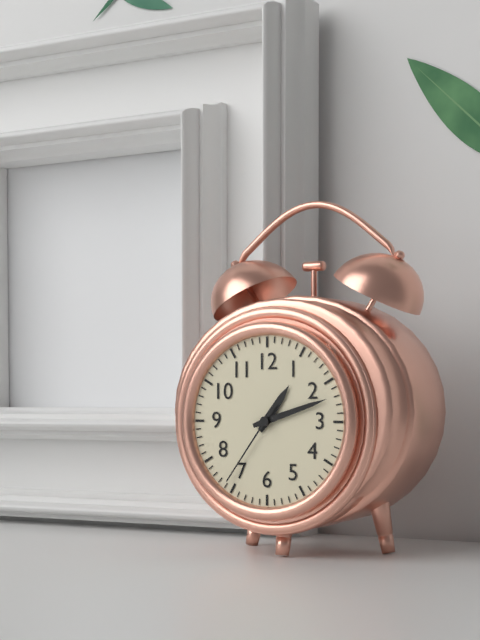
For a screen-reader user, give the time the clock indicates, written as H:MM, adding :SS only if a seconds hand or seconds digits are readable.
1:12:36
